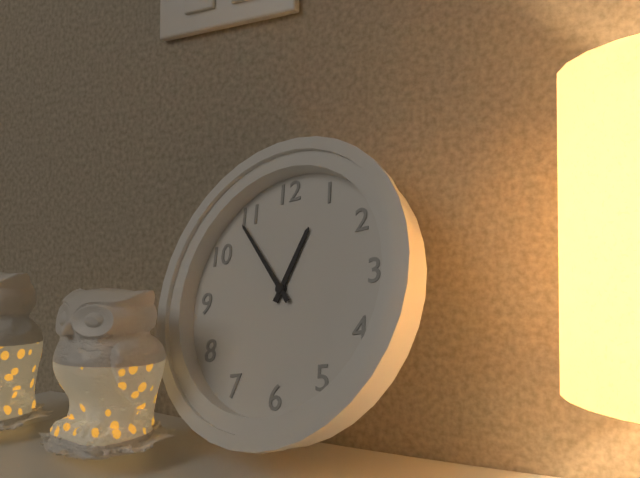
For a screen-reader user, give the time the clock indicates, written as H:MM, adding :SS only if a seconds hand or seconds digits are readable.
12:54
